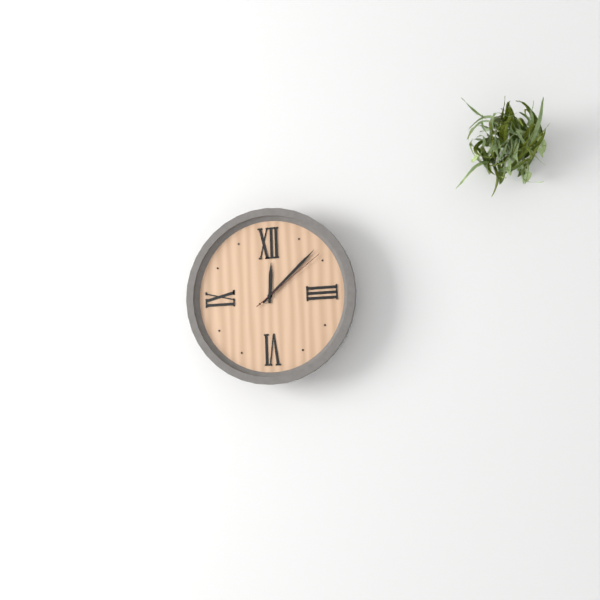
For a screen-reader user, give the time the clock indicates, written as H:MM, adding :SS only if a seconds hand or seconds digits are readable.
12:08:09
